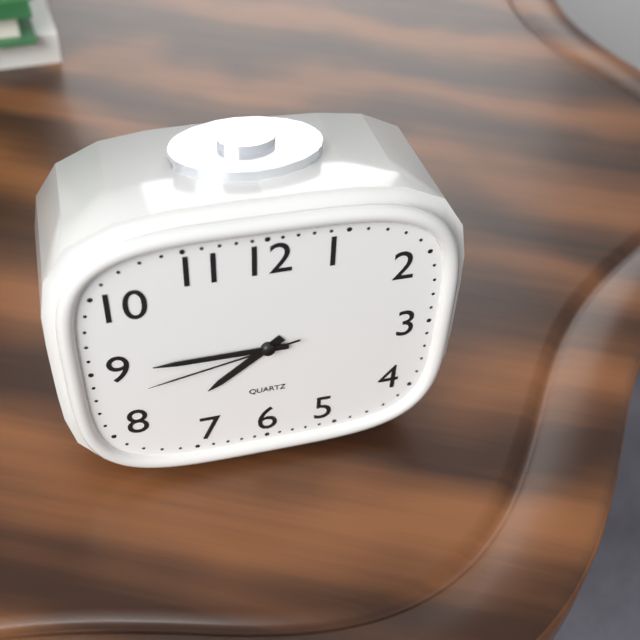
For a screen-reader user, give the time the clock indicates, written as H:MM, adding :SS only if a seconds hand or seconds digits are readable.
7:45:43
